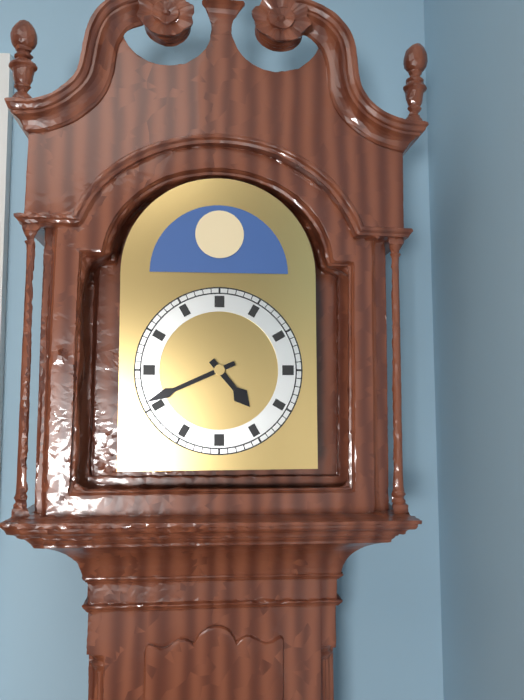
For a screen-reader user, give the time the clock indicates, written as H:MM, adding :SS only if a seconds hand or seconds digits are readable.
4:41
